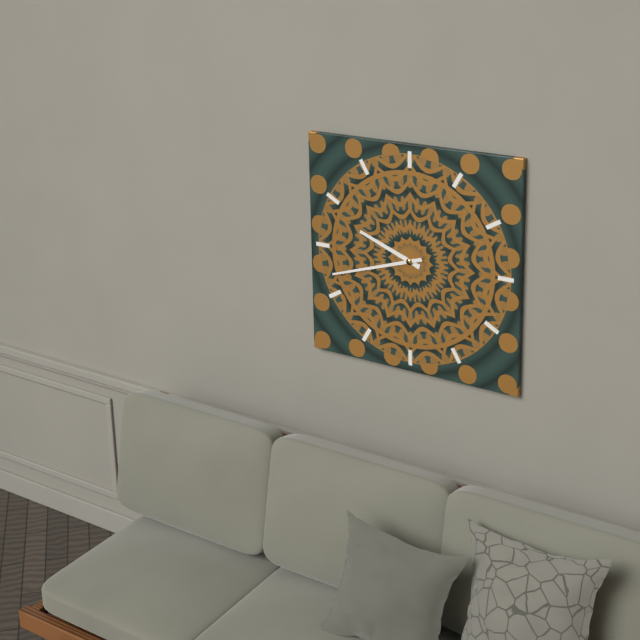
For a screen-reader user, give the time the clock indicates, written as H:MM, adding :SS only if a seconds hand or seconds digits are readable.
9:42
